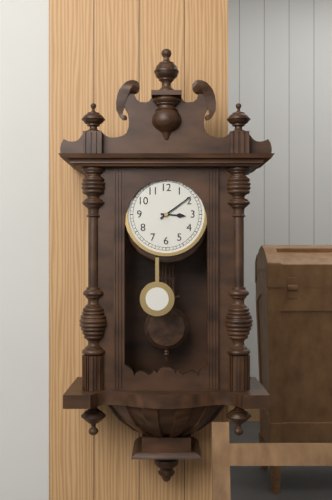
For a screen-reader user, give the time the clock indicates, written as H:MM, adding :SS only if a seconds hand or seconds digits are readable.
3:09
